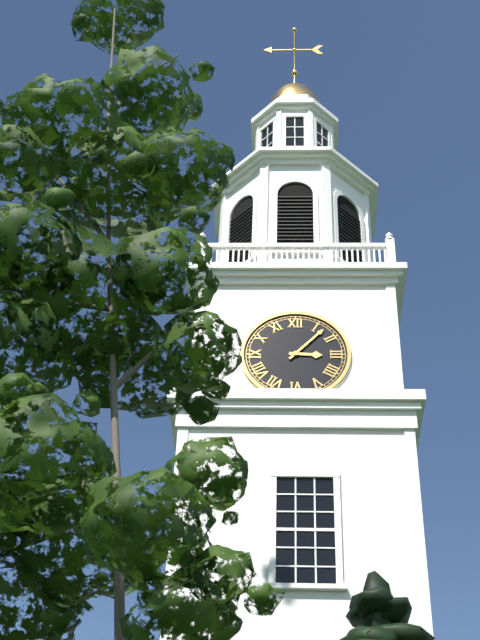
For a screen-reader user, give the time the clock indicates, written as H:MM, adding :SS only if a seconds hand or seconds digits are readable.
3:07
